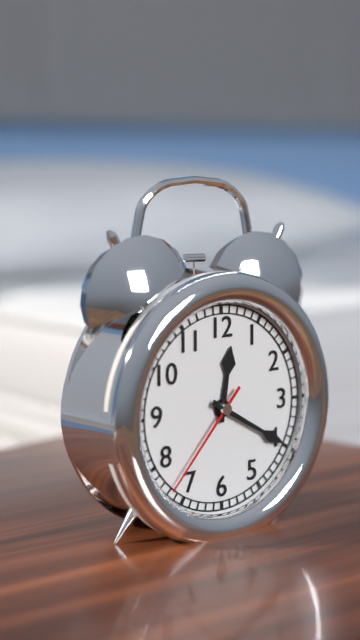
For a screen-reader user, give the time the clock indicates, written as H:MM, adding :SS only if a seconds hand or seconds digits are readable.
12:20:37
